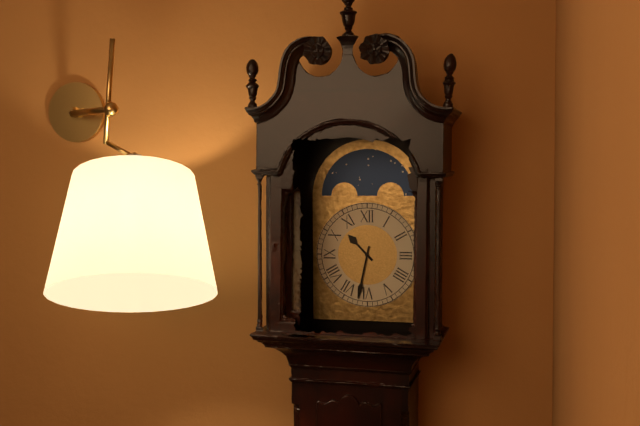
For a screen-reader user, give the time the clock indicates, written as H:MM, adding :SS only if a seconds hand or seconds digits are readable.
10:32
